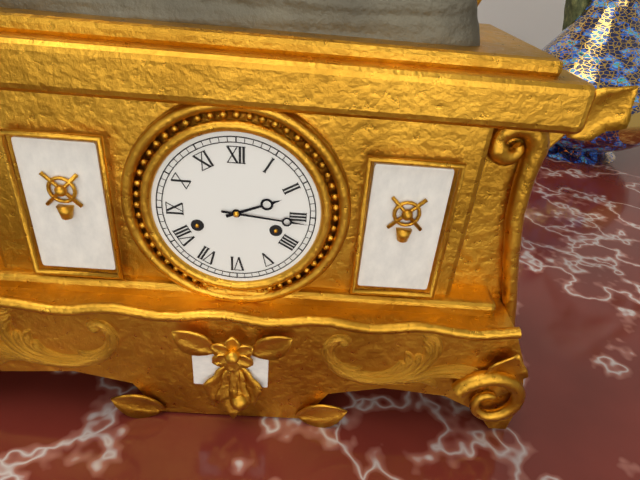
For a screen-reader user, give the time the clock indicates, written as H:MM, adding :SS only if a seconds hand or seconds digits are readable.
2:16
